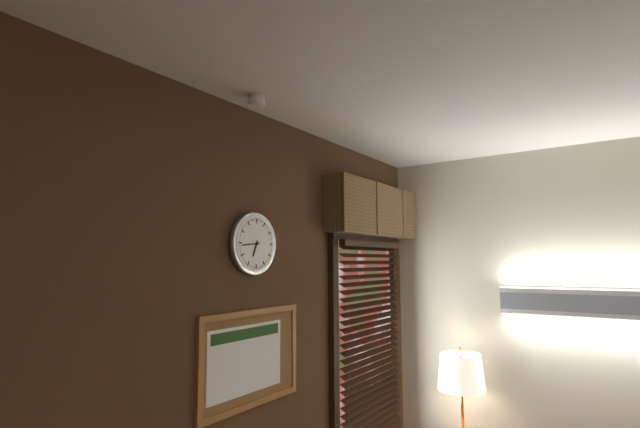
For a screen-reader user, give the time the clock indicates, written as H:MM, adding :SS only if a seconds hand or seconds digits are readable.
6:44
